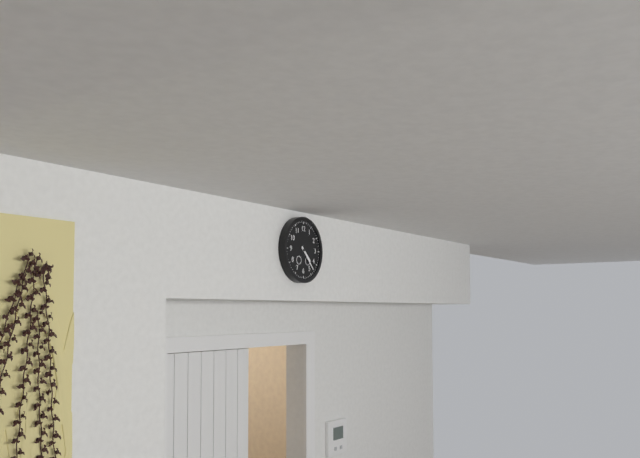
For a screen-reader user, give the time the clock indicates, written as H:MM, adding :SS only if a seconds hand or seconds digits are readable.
4:23
